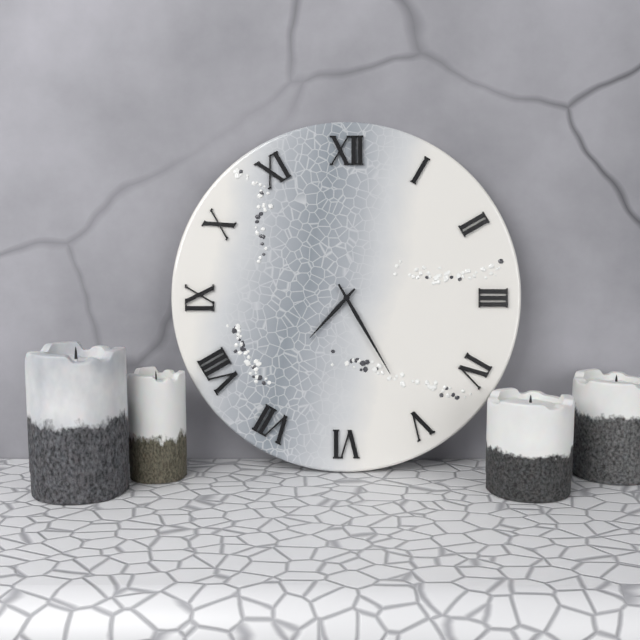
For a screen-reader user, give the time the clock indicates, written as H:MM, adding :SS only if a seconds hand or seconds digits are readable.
7:25
